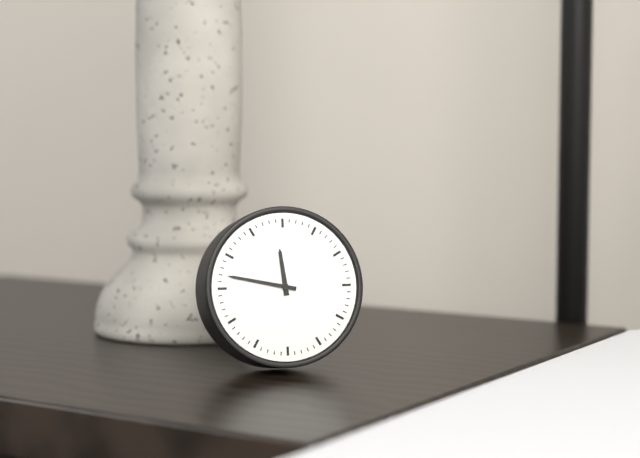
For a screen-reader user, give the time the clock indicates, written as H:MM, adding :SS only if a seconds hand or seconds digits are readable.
11:47
